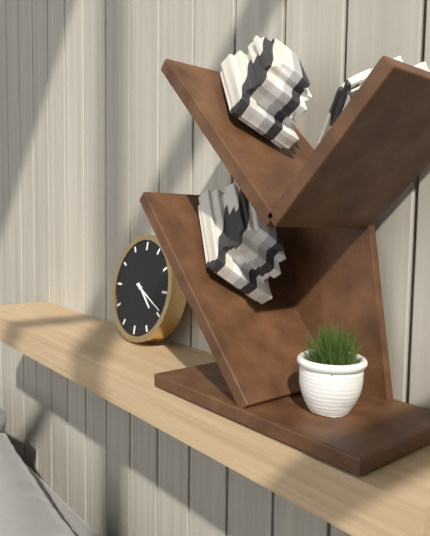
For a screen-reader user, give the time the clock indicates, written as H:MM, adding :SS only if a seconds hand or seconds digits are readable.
4:19
